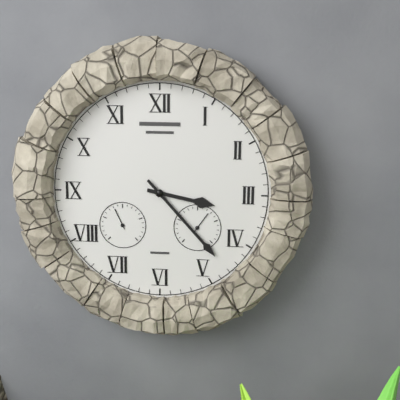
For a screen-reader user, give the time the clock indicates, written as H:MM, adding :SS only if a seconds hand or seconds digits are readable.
3:23
